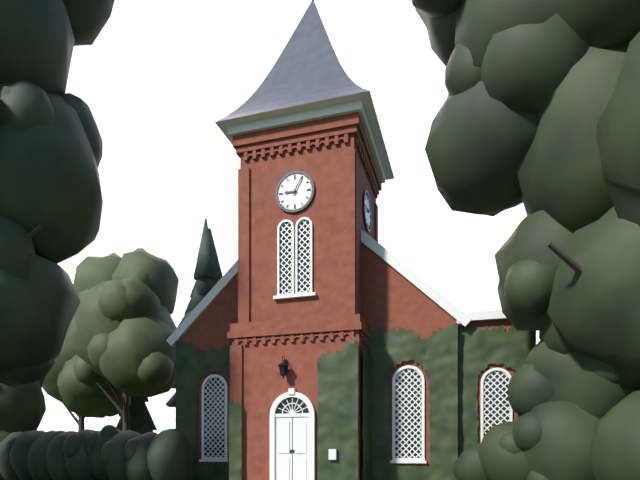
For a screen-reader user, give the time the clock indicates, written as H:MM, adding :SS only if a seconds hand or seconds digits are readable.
9:05
